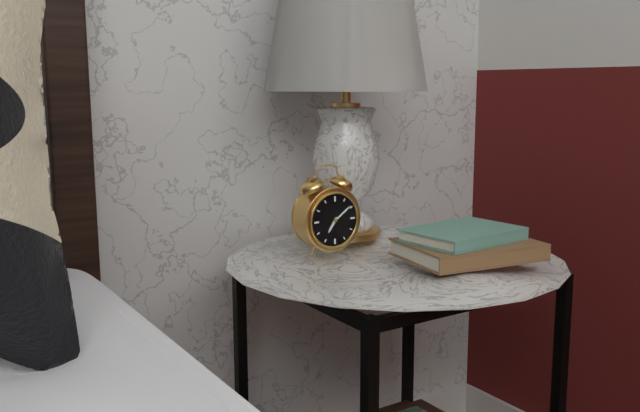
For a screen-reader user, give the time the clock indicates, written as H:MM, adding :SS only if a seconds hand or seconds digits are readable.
7:09
